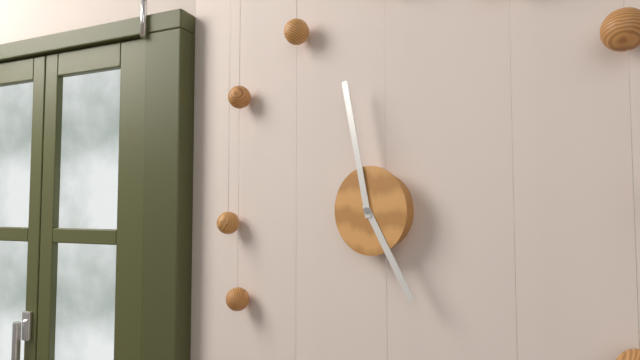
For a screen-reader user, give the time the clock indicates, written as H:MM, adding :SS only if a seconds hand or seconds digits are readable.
4:58
